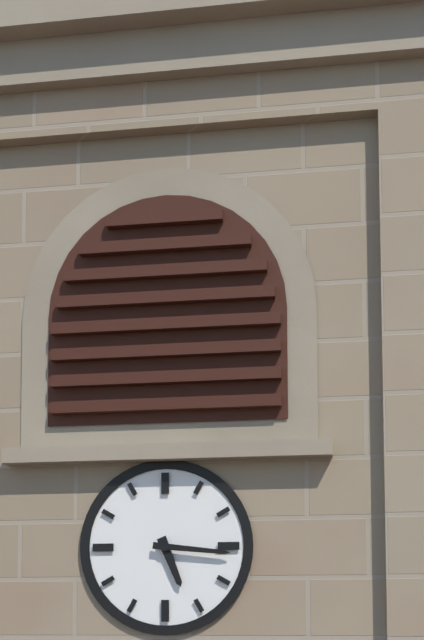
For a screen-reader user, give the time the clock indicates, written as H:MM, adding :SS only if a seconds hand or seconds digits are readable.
5:16
